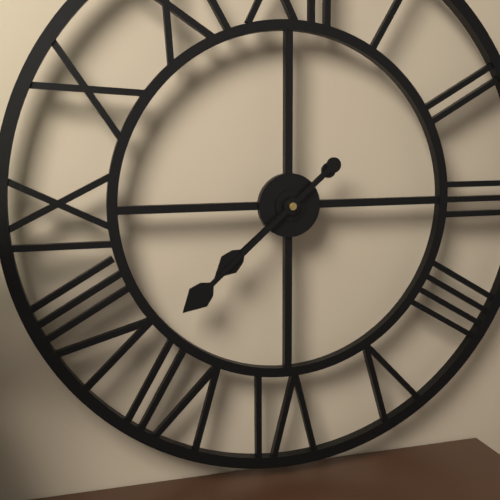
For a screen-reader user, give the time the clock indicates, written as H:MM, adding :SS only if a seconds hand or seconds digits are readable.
7:38
